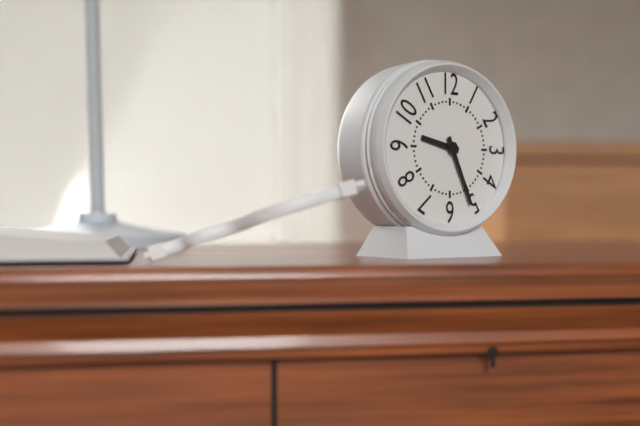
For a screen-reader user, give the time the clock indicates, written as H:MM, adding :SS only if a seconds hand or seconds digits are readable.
9:26
